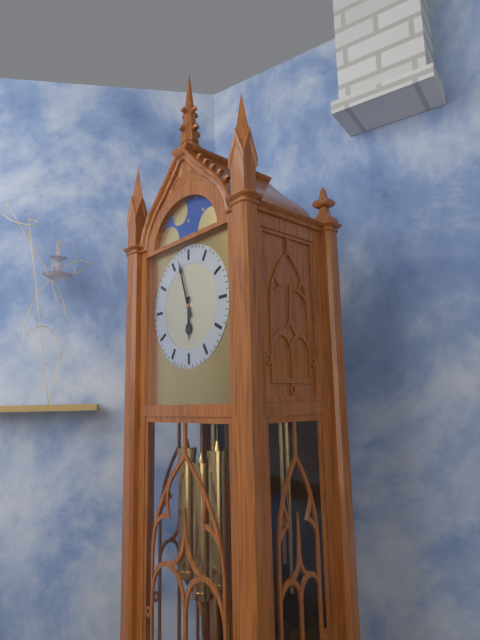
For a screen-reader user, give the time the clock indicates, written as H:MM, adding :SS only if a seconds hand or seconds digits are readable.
5:57
